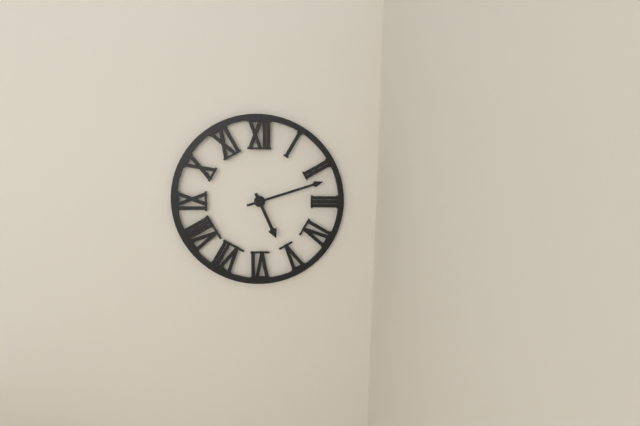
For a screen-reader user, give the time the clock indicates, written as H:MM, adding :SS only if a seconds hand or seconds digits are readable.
5:12
